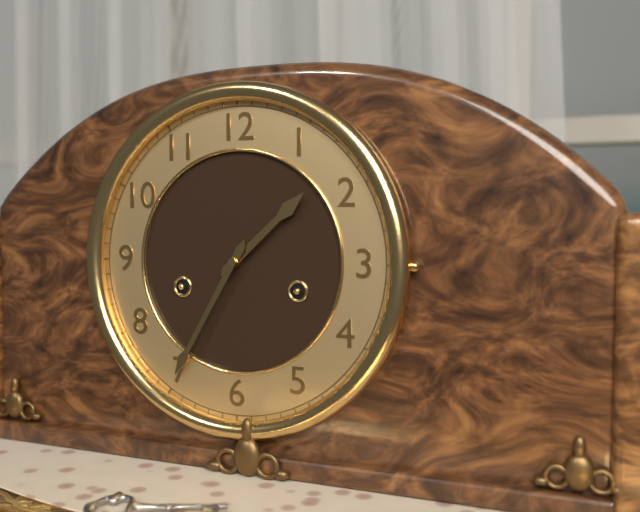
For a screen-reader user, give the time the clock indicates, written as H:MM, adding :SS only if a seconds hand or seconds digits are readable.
1:35
